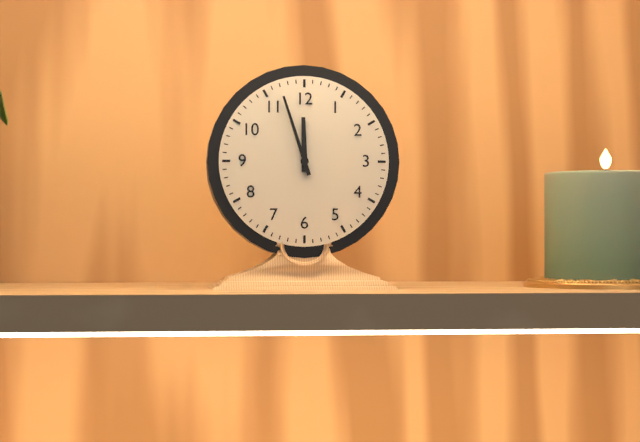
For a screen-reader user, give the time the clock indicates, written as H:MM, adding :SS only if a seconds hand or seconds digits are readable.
11:57
